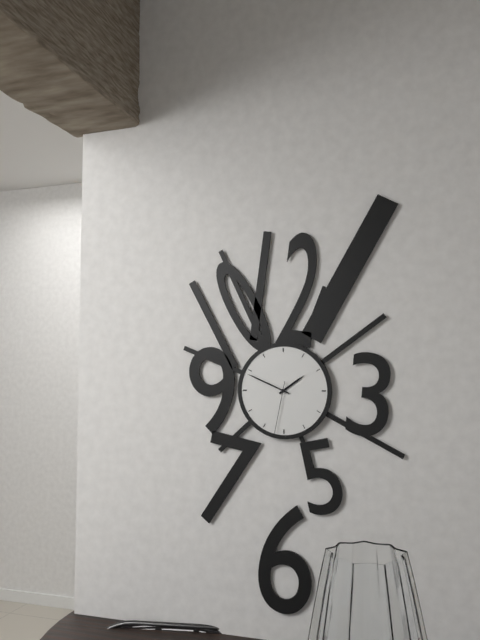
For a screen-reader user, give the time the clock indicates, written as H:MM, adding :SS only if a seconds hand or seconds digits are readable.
1:49:32
